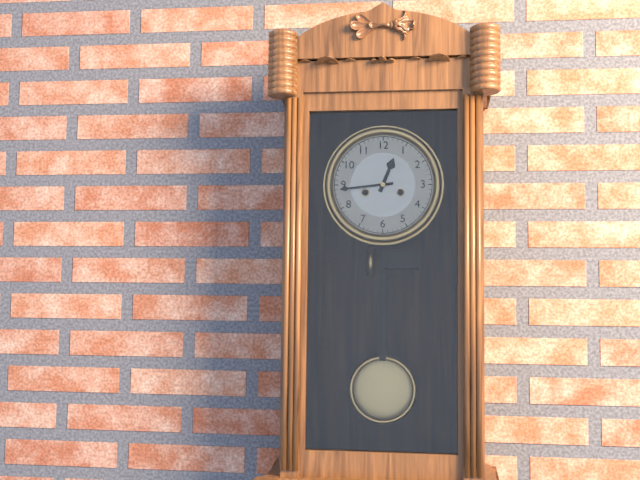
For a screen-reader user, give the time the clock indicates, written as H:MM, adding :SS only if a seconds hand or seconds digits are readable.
12:44
